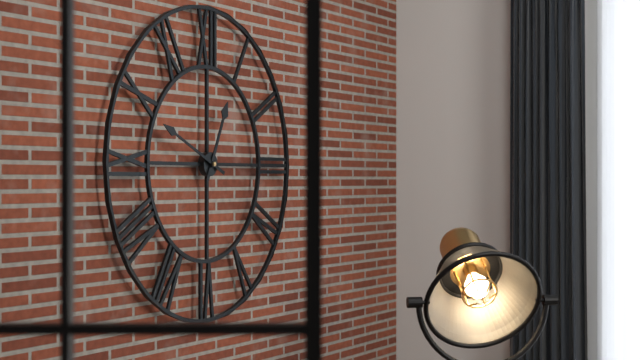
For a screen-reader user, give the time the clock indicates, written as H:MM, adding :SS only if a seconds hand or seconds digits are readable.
12:49
